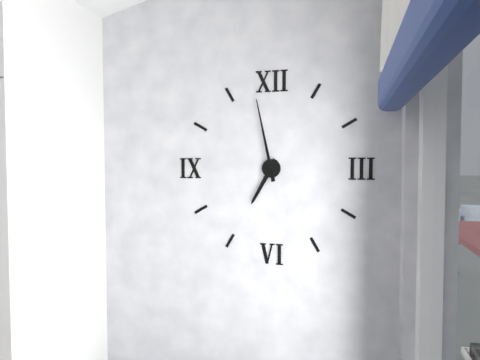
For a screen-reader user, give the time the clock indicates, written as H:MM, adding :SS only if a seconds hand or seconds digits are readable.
6:58
